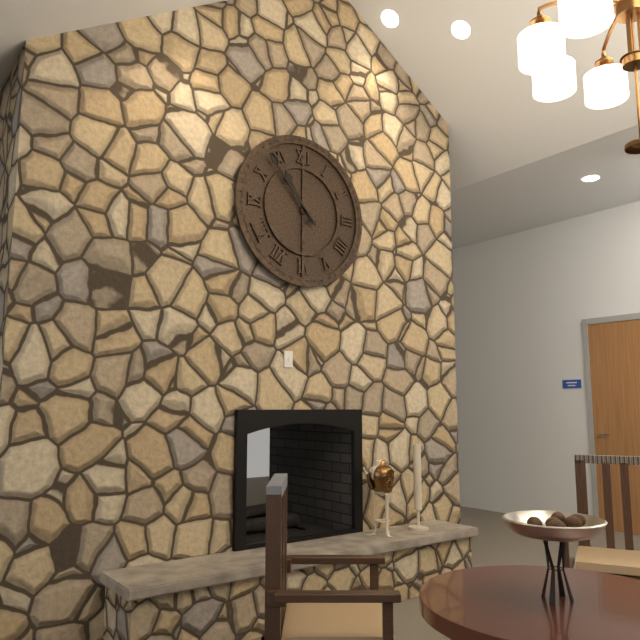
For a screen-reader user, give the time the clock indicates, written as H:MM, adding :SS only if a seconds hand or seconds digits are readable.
10:53
